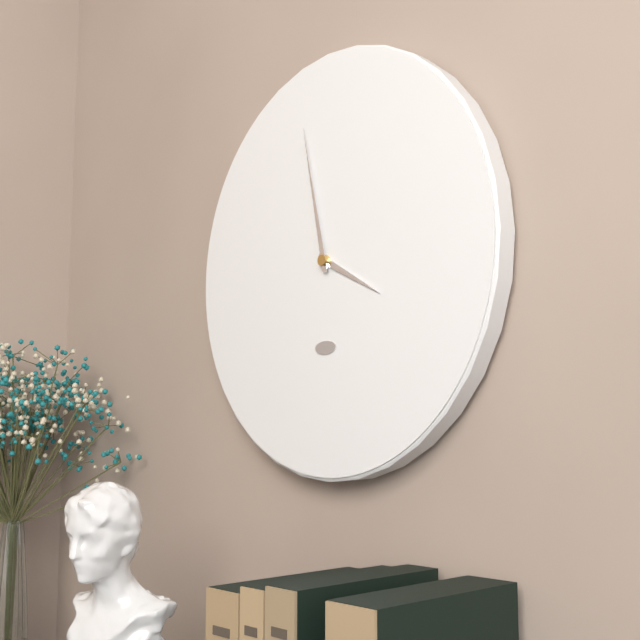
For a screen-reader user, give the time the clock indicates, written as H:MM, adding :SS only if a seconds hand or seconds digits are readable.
3:58
